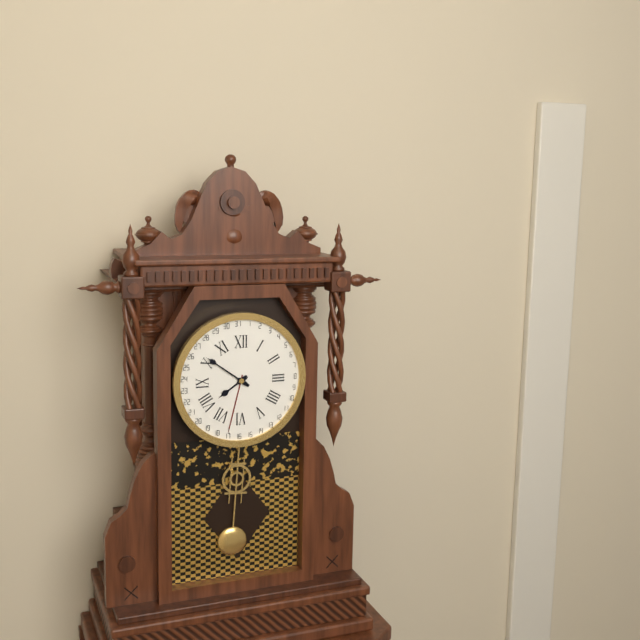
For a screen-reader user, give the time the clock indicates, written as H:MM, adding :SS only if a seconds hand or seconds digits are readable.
7:51
